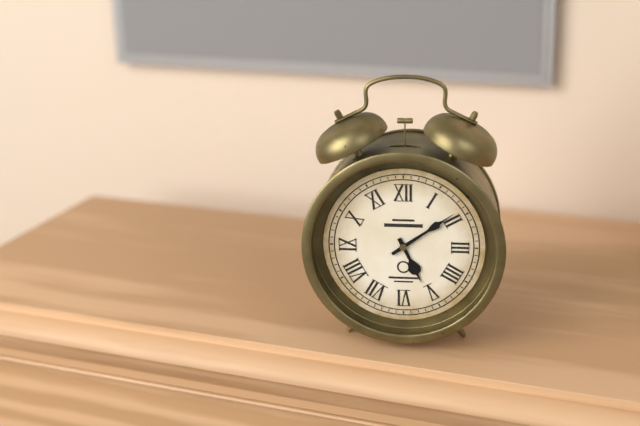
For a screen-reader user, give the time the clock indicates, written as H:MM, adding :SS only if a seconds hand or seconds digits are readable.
5:09
